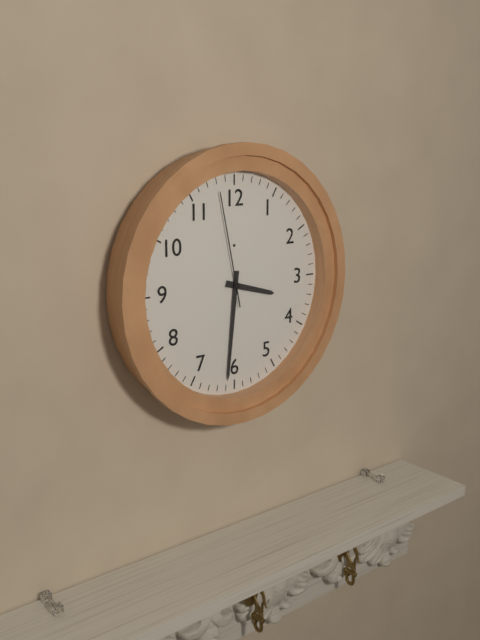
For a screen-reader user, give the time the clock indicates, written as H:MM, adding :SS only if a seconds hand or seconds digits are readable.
3:31:58
